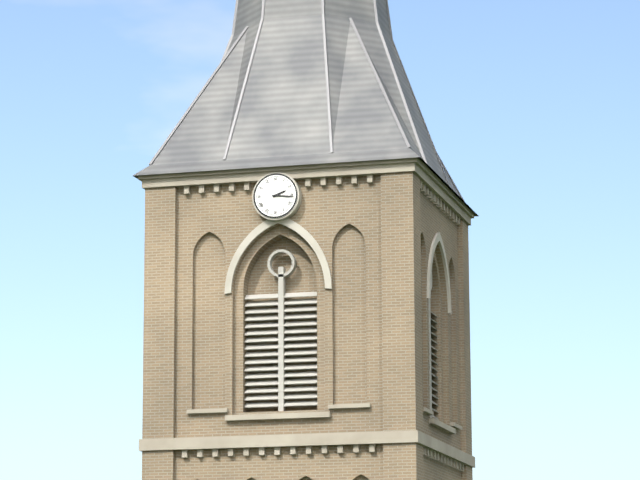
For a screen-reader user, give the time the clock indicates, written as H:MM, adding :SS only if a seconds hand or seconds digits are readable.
2:16
